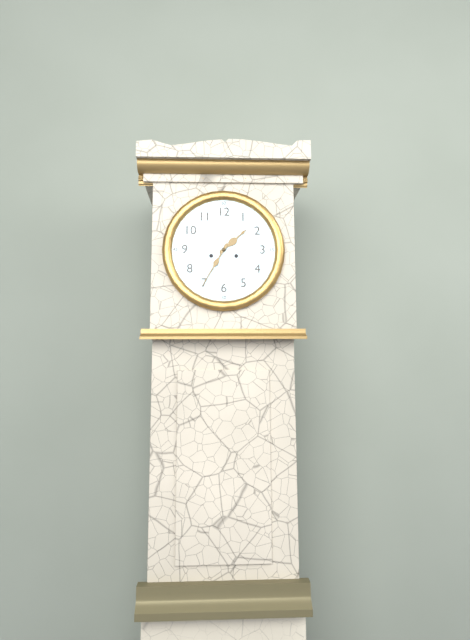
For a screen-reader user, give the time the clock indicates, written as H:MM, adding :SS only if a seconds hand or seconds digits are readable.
1:35
